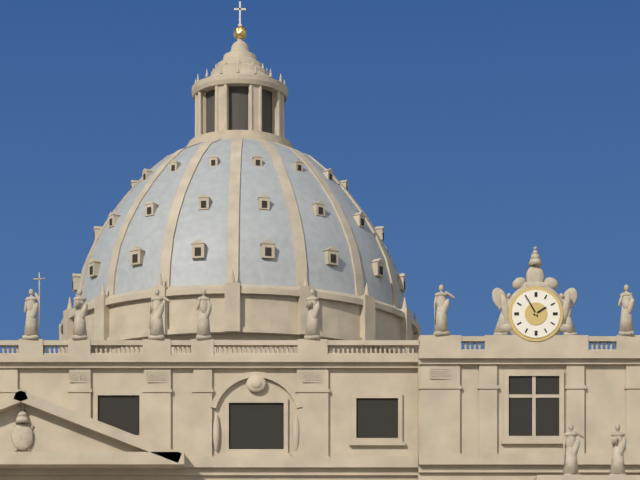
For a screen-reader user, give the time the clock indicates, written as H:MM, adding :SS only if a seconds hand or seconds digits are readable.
1:55
